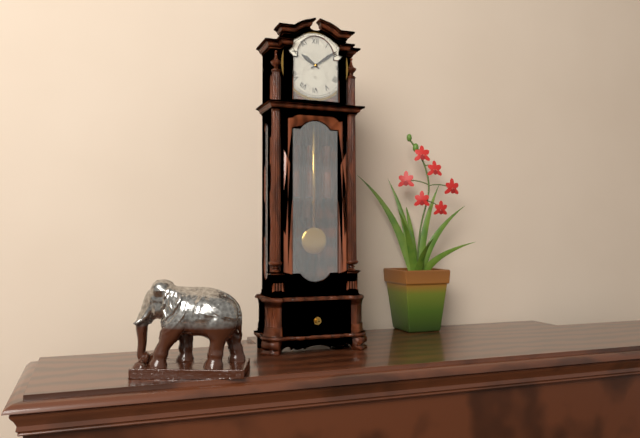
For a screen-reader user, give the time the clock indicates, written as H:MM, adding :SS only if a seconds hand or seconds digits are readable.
10:09
